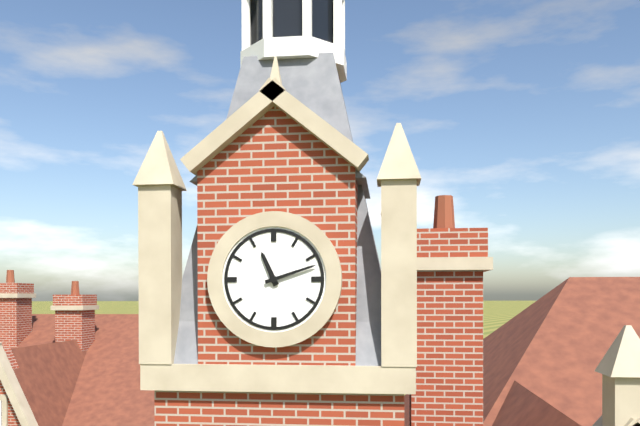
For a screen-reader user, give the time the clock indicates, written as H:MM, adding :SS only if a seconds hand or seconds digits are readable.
11:12
